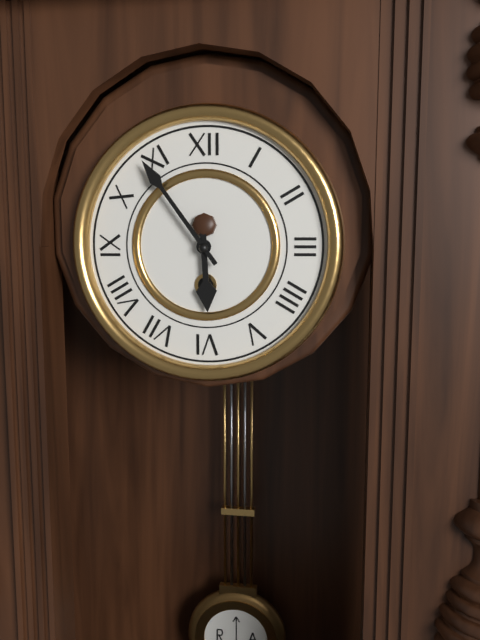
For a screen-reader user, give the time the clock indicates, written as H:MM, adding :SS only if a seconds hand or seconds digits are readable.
5:54
